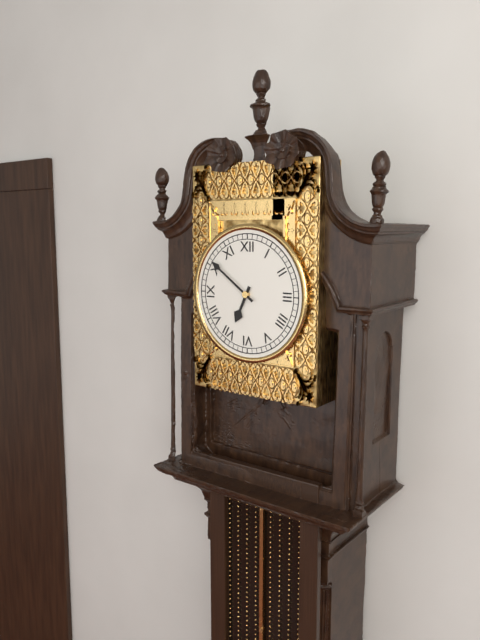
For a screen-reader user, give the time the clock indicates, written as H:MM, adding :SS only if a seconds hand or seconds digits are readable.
6:51
